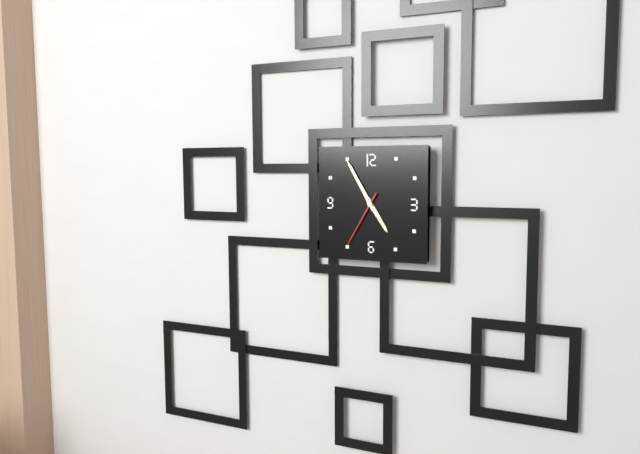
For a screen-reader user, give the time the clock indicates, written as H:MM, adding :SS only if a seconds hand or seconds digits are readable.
4:55:35
